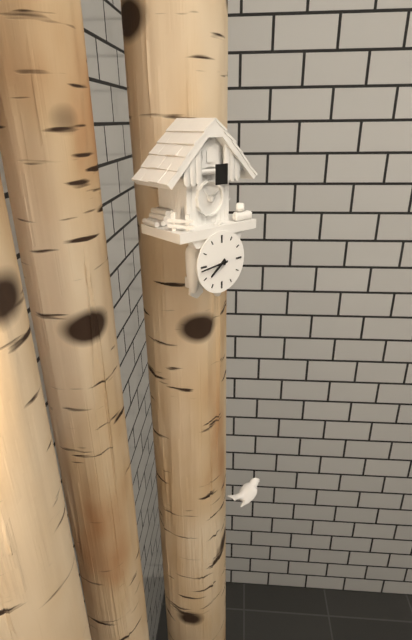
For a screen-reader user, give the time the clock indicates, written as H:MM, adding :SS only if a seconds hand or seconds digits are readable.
7:44
